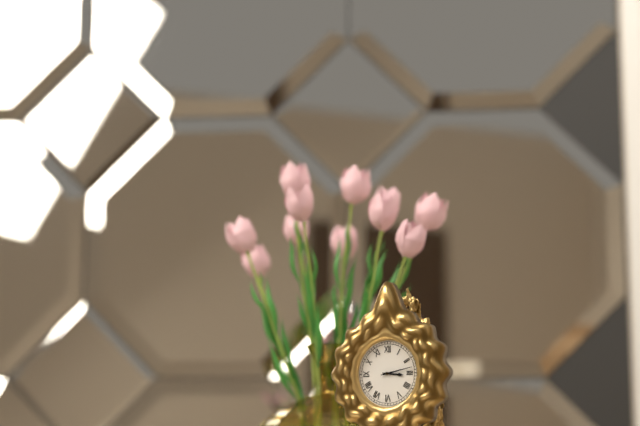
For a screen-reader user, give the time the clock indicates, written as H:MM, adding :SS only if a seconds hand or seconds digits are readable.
3:13
